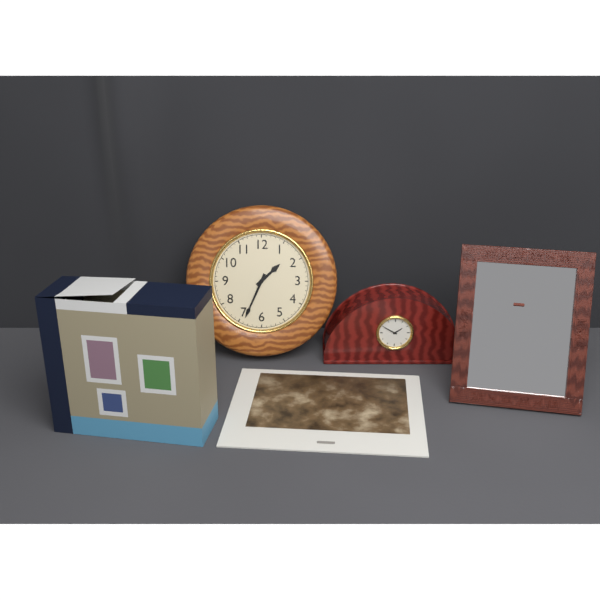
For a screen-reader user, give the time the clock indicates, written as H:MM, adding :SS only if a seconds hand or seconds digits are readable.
1:34
